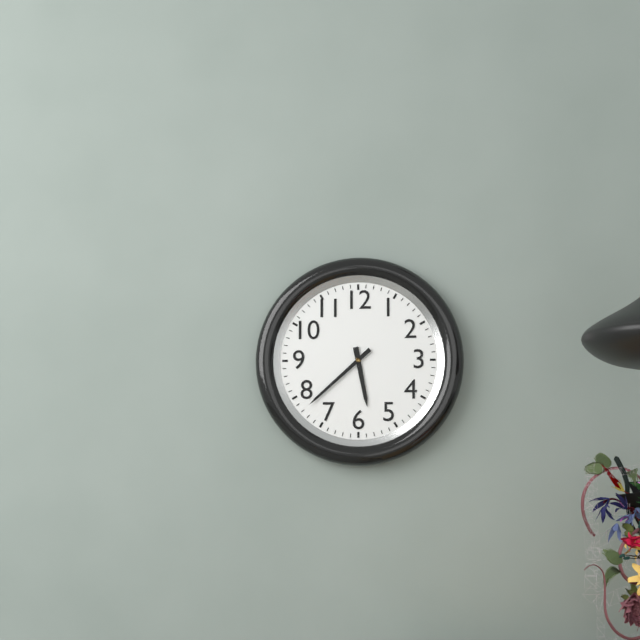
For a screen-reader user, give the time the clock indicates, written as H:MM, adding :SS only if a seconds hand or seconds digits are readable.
5:38
